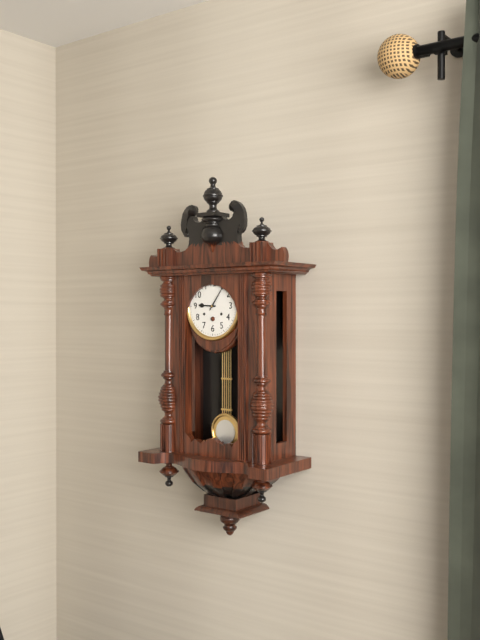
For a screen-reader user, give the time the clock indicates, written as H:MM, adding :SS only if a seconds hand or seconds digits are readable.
9:06
